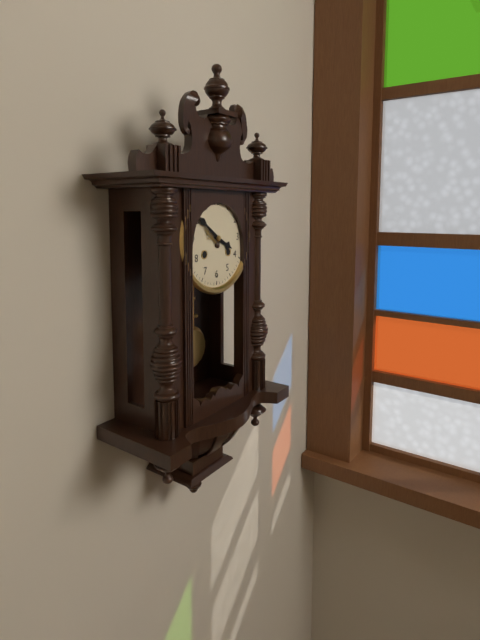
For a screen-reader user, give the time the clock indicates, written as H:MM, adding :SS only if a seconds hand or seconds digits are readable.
3:51
